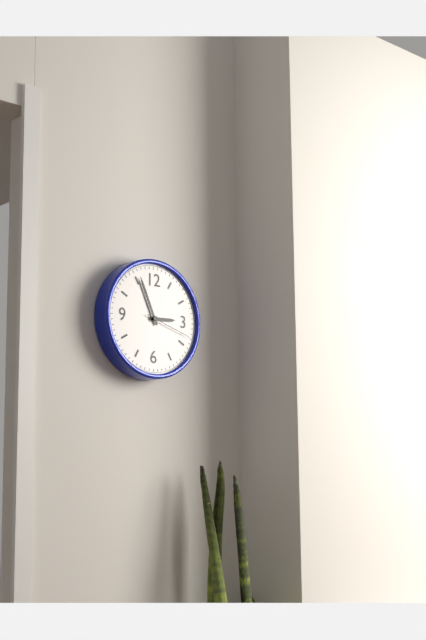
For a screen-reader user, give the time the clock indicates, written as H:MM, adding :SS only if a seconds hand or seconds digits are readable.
2:56:18
